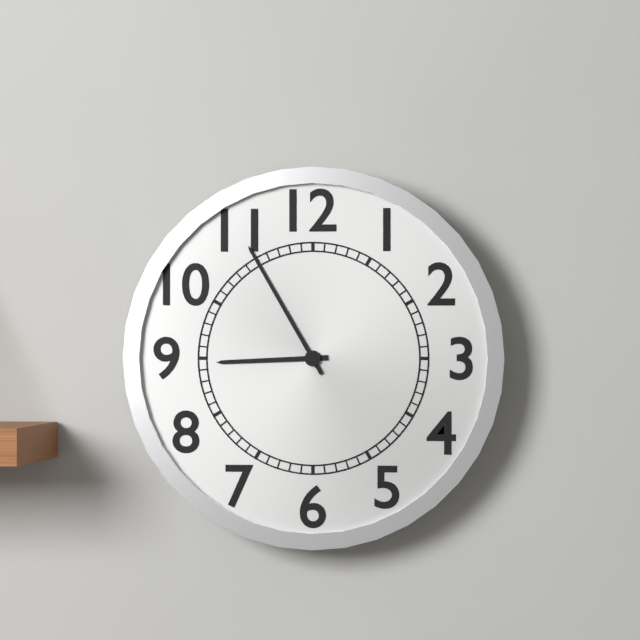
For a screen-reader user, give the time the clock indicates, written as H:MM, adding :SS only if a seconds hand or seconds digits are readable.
8:55
